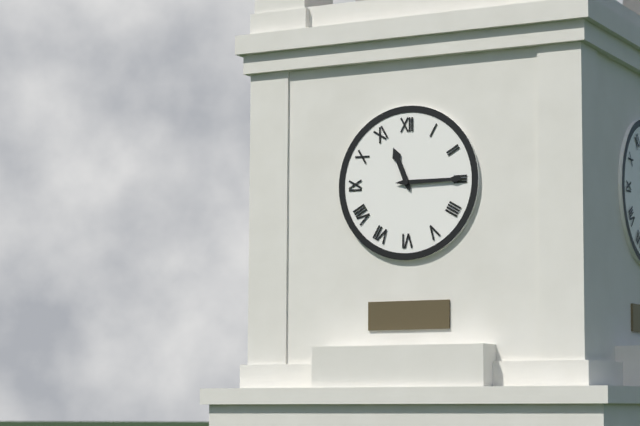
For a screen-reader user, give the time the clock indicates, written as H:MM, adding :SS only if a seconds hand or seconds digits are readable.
11:15
